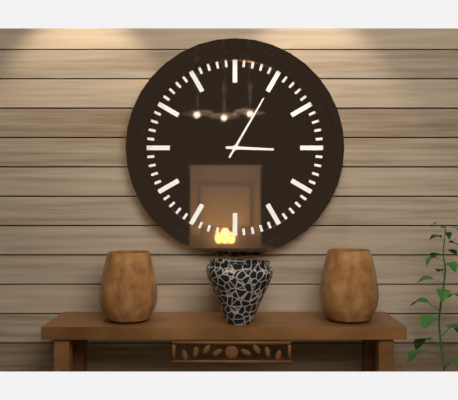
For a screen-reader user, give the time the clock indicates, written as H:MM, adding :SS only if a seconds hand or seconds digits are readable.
3:05
